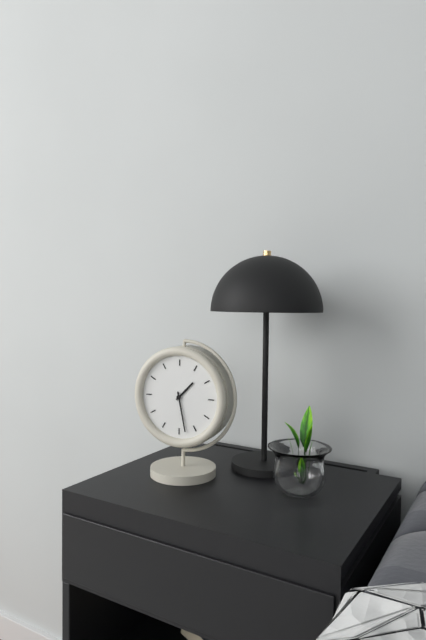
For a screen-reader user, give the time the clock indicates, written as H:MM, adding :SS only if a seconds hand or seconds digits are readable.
1:28
